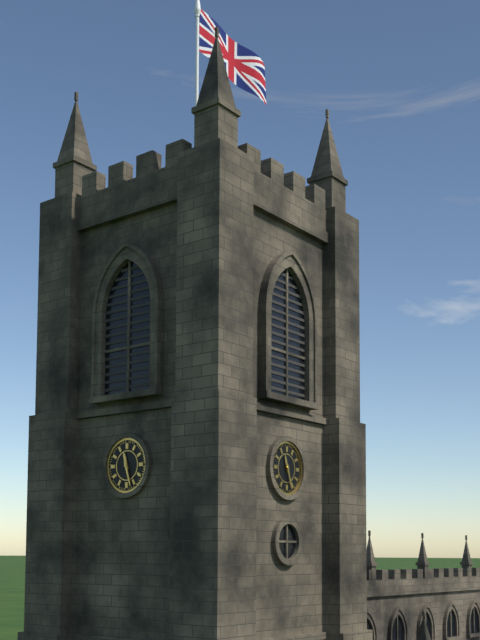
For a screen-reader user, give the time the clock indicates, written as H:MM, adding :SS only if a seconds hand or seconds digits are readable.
11:27
